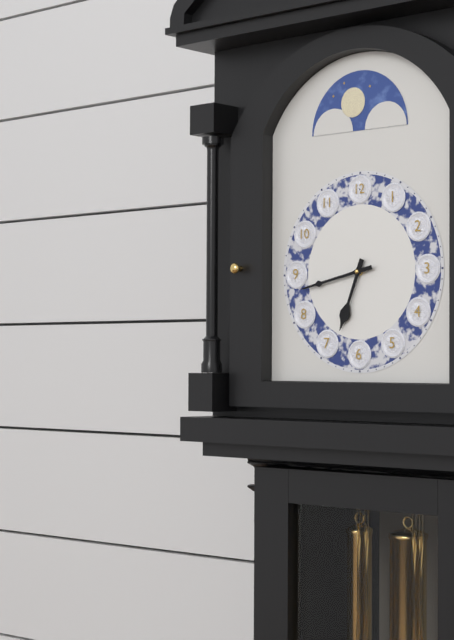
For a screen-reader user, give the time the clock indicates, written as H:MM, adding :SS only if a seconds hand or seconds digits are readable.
6:43
